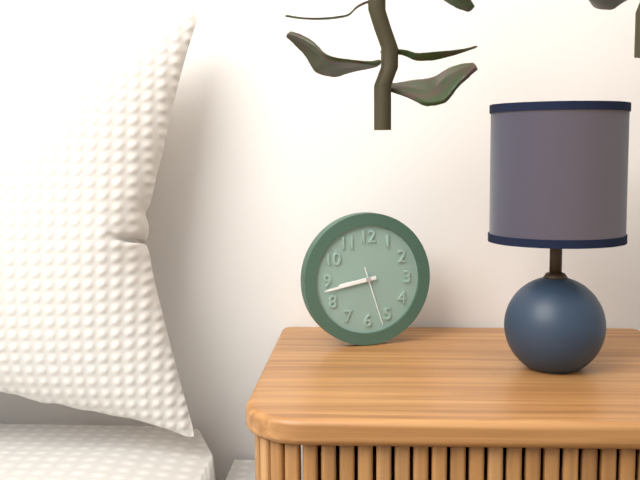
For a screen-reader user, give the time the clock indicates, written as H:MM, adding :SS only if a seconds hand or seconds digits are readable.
8:43:27
